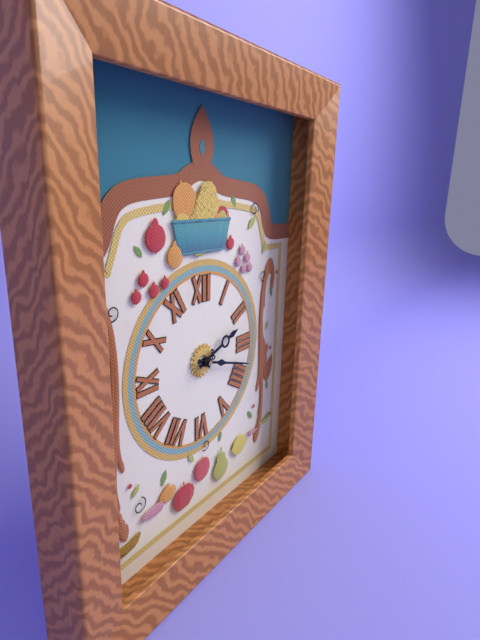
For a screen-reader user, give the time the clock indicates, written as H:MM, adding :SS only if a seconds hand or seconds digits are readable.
2:18
